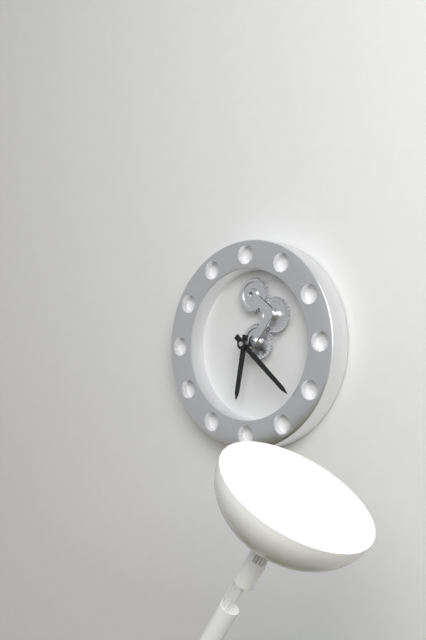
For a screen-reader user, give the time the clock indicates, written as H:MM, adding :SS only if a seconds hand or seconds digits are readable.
6:22
